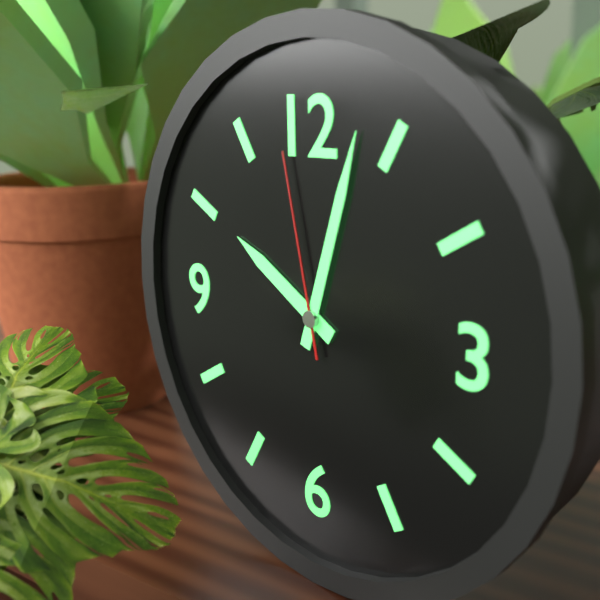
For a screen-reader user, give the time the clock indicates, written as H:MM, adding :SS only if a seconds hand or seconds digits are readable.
10:03:58
